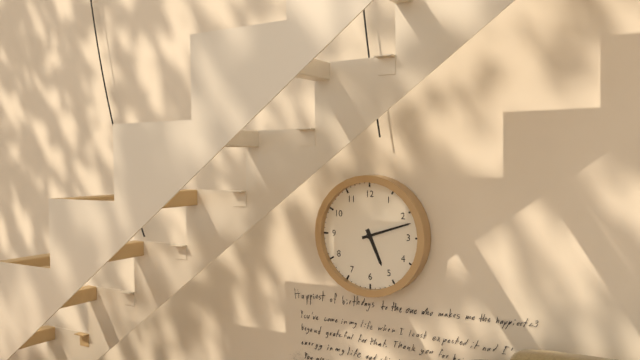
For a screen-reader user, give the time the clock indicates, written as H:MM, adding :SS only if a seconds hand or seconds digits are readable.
5:12
